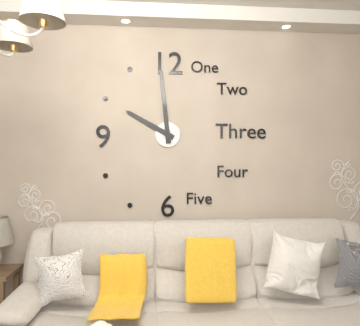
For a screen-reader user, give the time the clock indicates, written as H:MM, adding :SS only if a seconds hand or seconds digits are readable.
9:59
